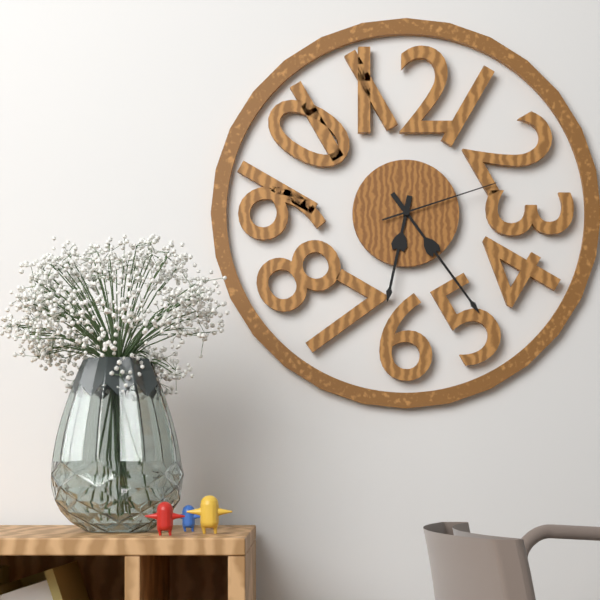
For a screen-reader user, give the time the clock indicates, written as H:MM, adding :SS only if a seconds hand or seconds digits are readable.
6:24:12
